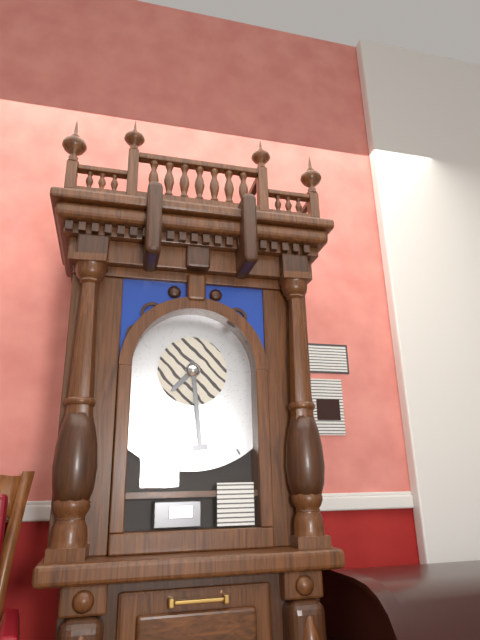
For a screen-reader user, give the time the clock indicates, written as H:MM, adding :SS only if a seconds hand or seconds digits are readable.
7:29
